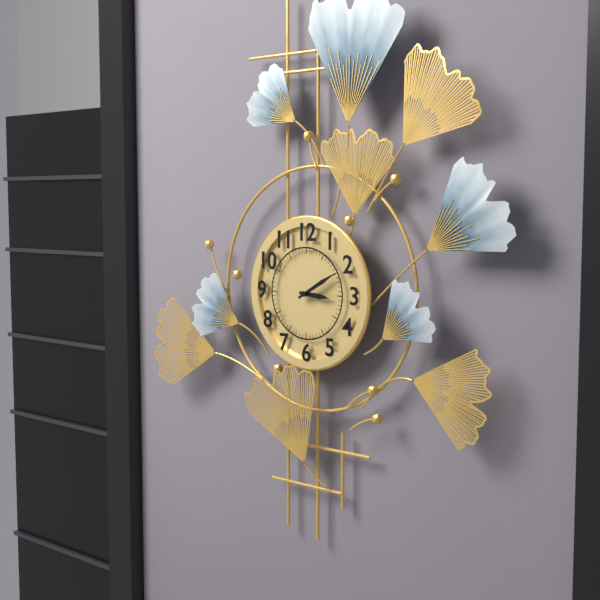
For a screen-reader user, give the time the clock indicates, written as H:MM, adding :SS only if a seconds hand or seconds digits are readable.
3:10
